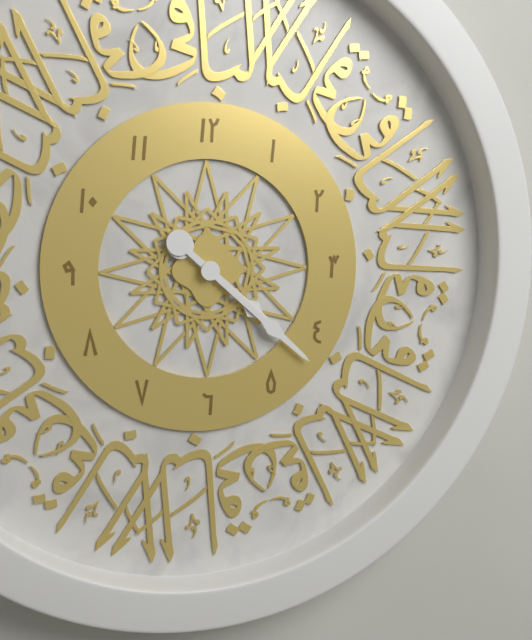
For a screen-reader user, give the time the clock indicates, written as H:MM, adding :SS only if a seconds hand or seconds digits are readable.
4:22
